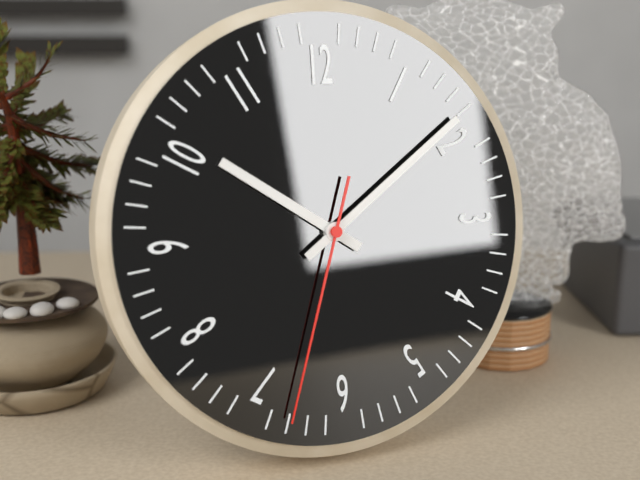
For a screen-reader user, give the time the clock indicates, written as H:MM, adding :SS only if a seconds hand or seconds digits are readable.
10:09:33
